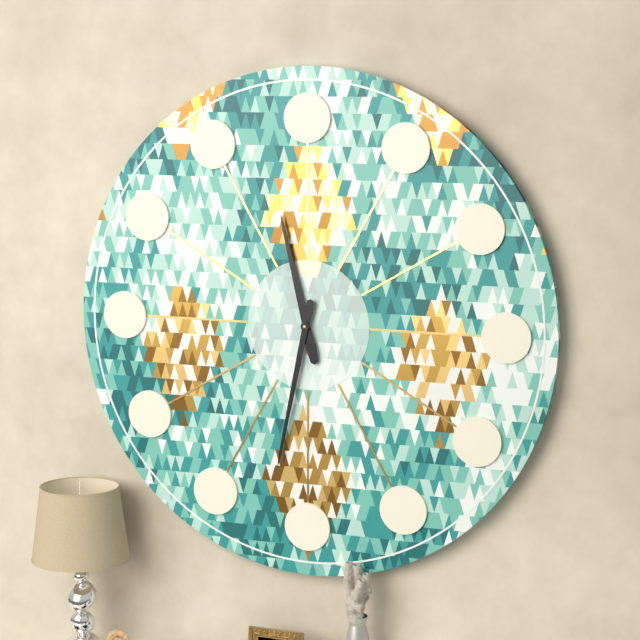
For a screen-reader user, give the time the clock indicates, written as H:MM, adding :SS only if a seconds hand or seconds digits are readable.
11:32
